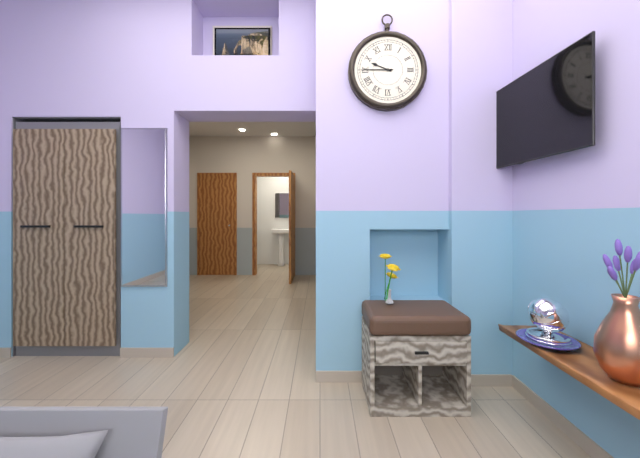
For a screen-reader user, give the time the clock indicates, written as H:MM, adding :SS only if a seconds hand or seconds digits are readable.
9:45
